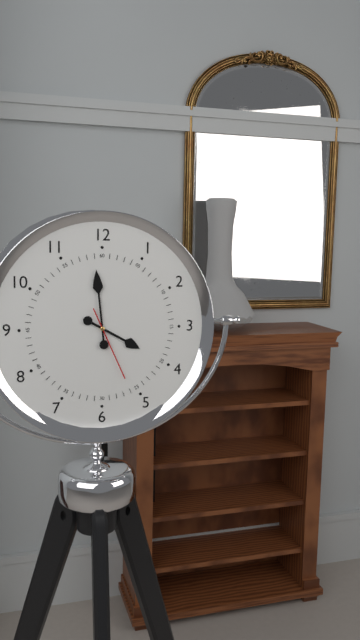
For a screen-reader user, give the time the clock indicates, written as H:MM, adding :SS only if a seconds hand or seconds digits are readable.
3:59:26
